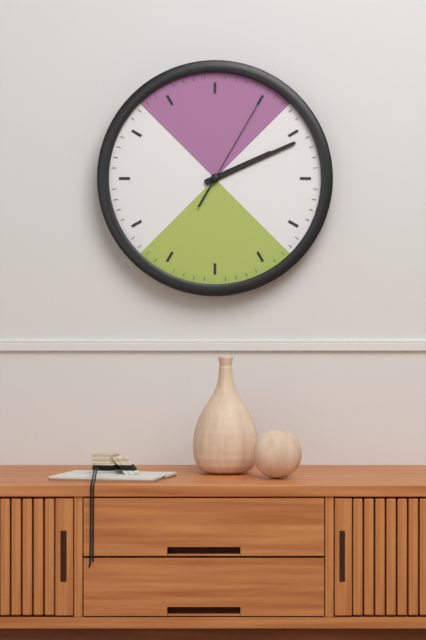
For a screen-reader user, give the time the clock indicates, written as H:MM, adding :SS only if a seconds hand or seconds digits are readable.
2:11:05
